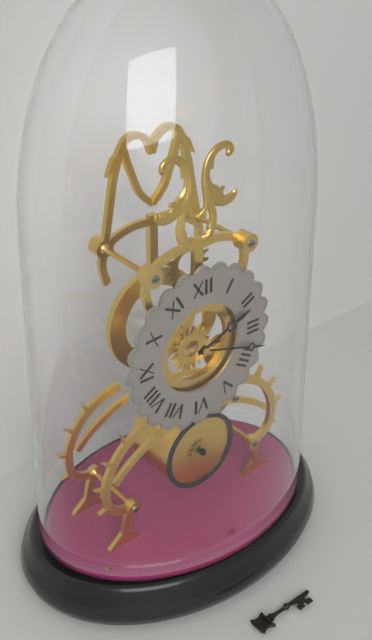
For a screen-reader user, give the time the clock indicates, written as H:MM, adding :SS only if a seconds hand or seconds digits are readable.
2:18
